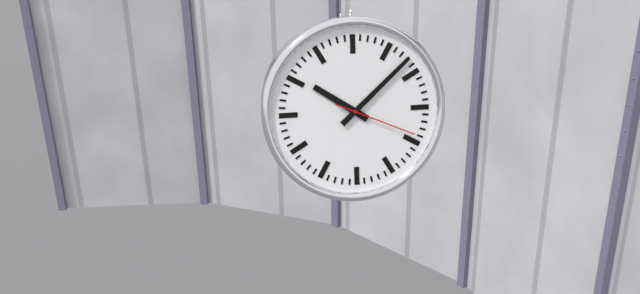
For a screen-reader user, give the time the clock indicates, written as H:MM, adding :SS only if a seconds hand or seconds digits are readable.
10:08:19
